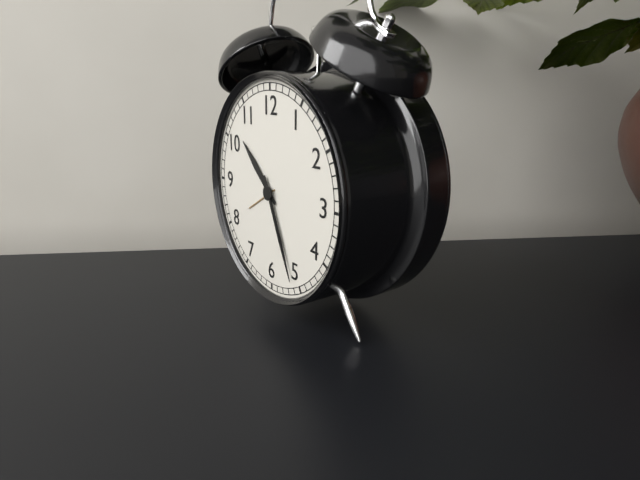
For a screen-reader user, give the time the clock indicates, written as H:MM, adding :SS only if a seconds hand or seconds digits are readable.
10:26
